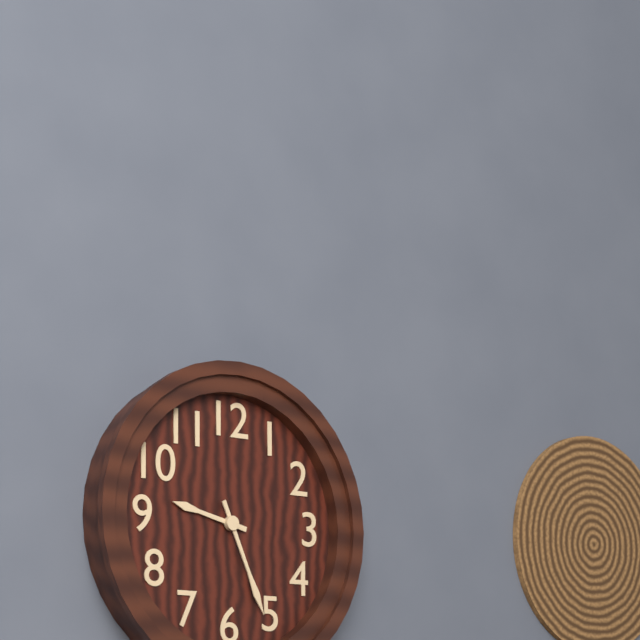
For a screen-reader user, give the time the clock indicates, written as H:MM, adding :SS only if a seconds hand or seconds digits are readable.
9:26
